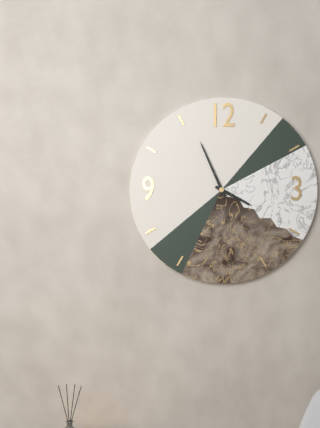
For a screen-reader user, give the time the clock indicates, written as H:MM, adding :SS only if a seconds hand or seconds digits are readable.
3:56
